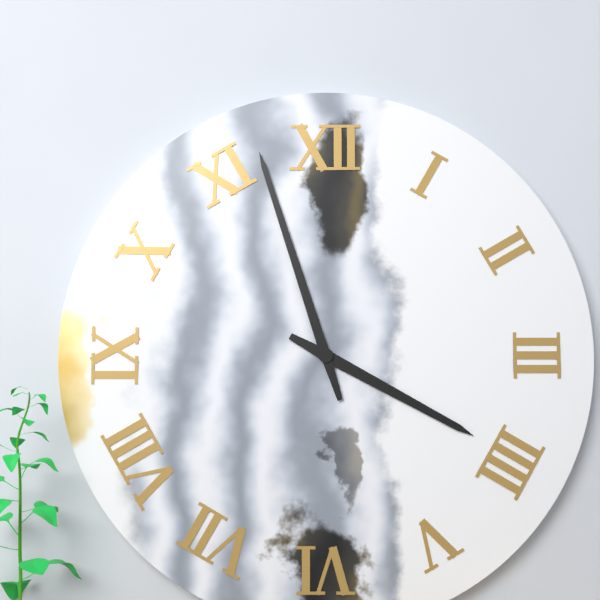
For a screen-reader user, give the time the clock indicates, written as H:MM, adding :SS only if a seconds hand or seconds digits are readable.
3:57
